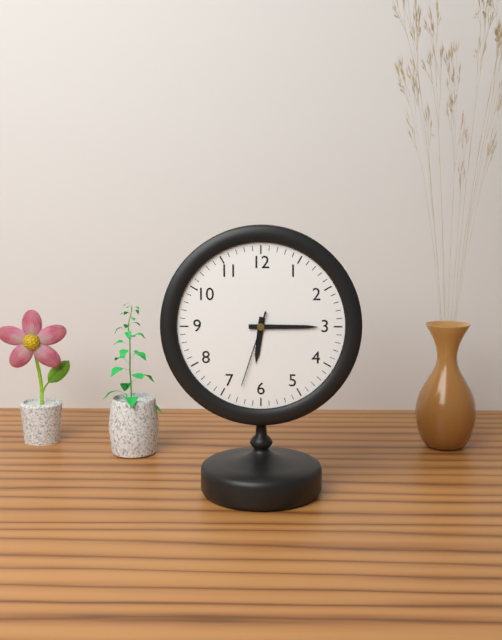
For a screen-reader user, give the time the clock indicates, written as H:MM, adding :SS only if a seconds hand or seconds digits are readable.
6:15:33
